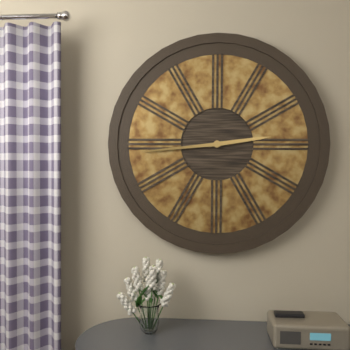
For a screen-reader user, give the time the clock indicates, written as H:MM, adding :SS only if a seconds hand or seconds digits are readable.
2:44
